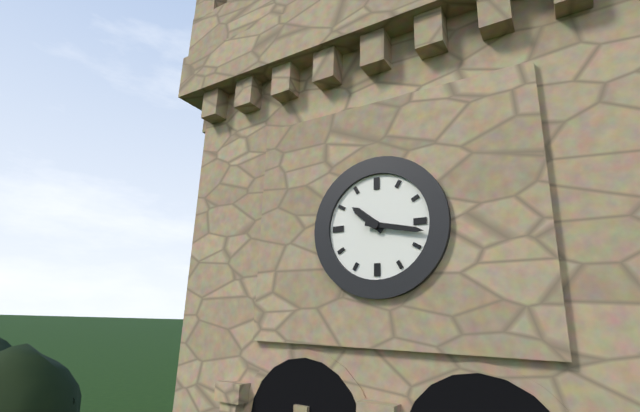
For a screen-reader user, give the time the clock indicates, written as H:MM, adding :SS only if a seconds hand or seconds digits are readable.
10:17
